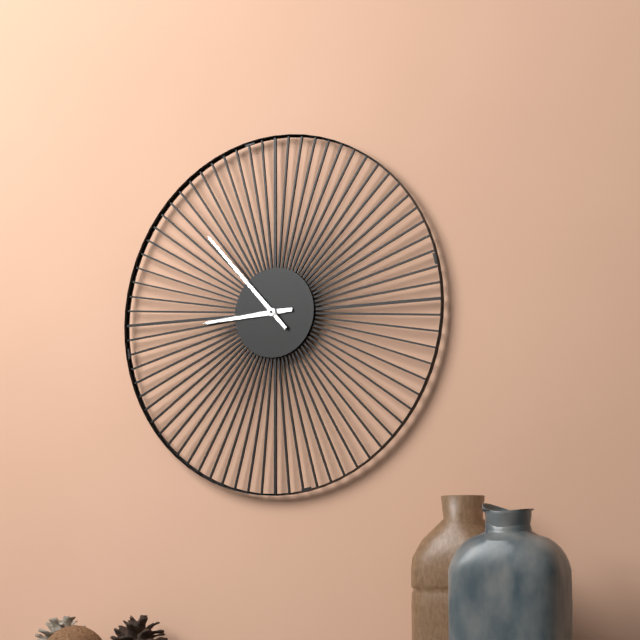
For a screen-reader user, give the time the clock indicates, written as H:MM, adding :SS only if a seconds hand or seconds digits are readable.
8:53
